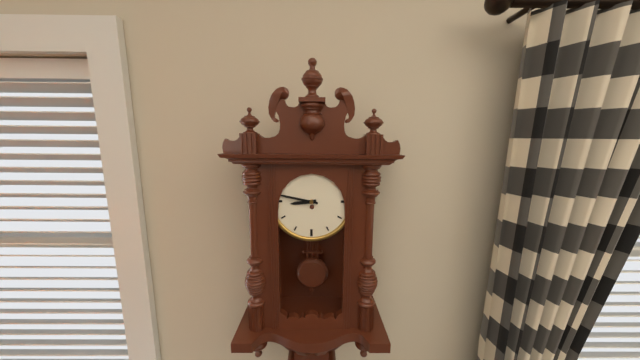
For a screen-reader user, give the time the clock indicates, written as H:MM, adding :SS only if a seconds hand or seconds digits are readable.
8:47
